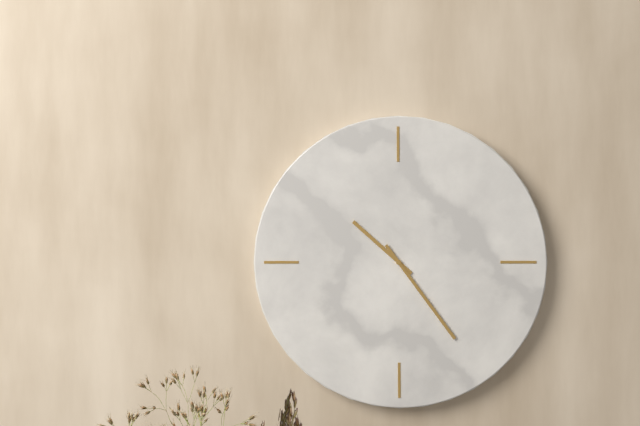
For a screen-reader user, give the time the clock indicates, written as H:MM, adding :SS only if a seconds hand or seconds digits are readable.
10:24
